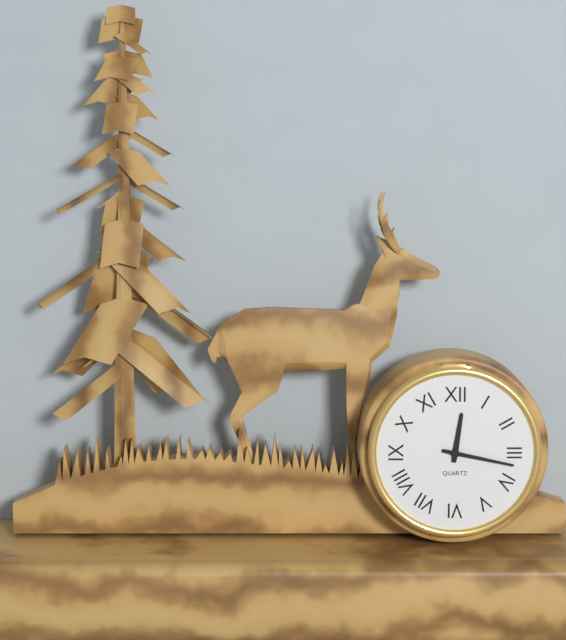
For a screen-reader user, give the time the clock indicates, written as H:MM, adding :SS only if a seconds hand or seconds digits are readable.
12:17
